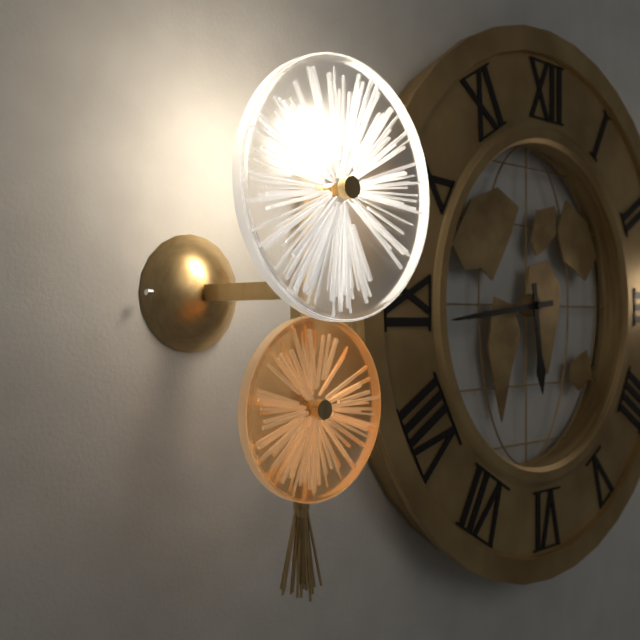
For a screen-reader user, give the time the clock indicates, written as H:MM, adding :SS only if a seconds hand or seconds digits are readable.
5:44
